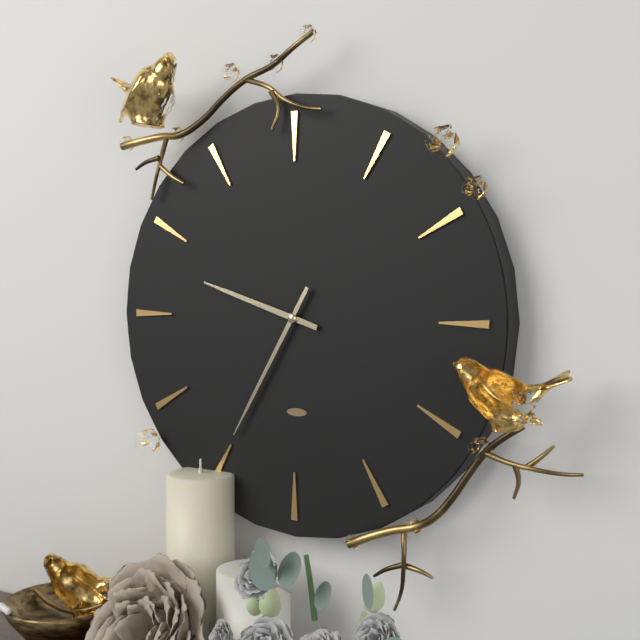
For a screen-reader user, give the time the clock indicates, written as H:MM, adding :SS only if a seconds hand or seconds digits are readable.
9:35
